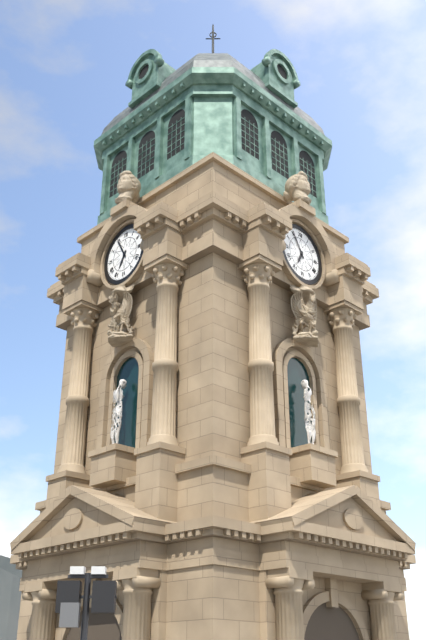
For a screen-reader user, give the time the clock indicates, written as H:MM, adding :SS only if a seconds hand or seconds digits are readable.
6:55
